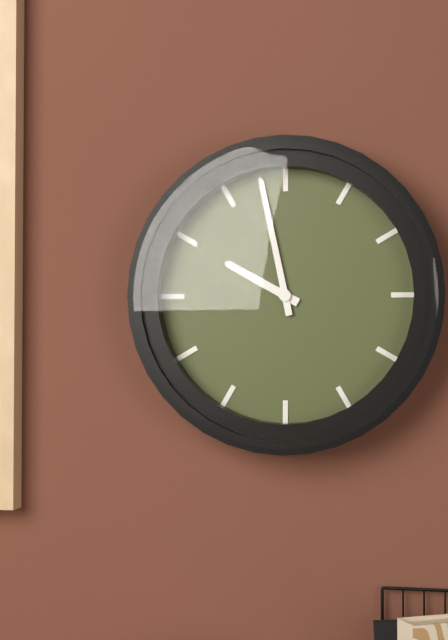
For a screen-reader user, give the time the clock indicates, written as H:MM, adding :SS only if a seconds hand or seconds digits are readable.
9:58
